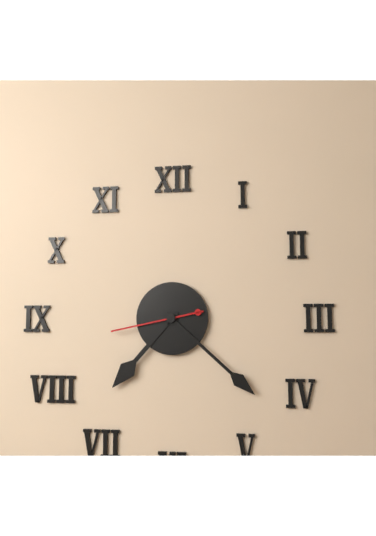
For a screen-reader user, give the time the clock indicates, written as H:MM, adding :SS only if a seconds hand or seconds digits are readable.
7:22:43
